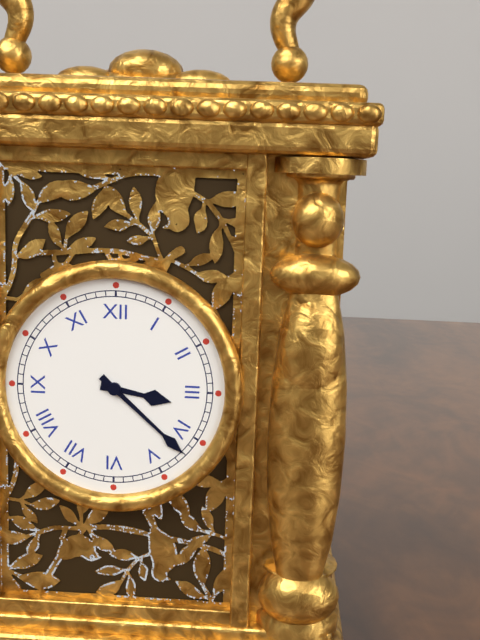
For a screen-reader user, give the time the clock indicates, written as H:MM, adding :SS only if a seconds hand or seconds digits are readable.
3:22
